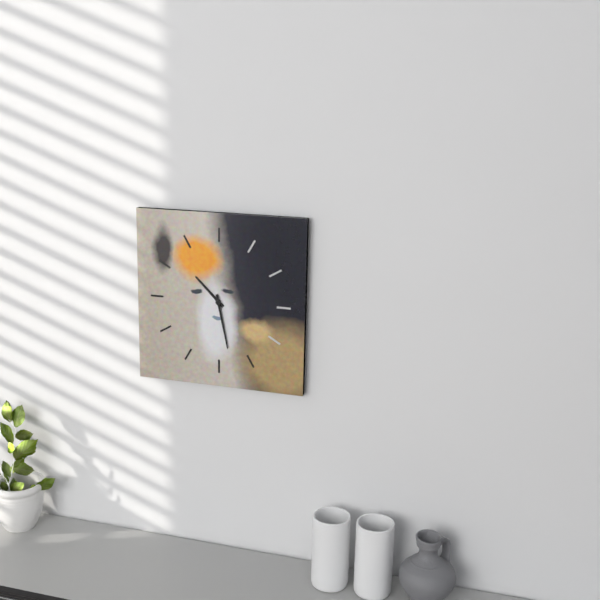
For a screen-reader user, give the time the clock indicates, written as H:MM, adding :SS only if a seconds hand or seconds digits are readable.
10:28
